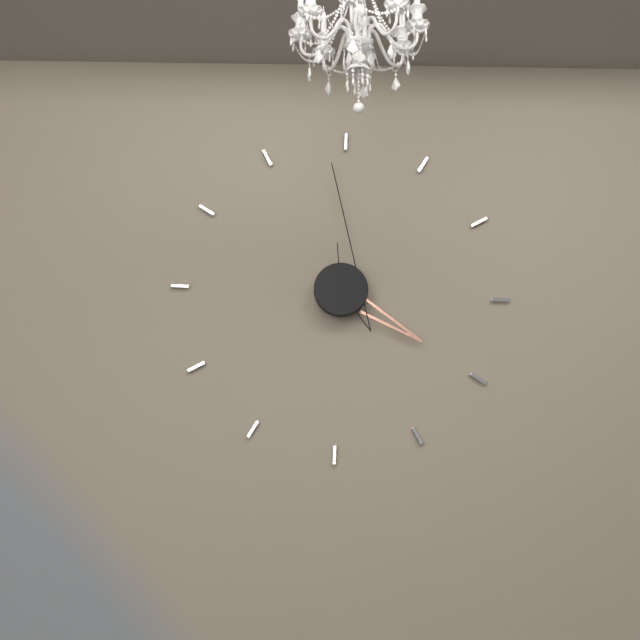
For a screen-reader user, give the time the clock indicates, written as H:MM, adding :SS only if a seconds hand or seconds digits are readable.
3:59
